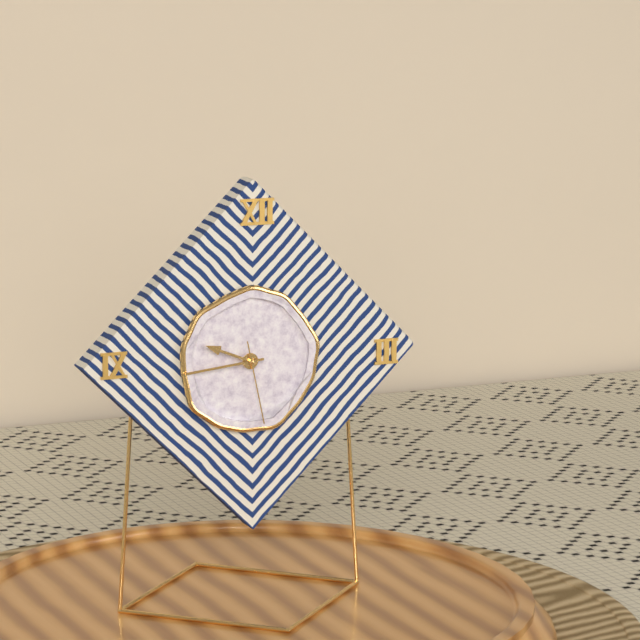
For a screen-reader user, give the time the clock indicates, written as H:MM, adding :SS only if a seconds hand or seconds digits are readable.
9:44:28
